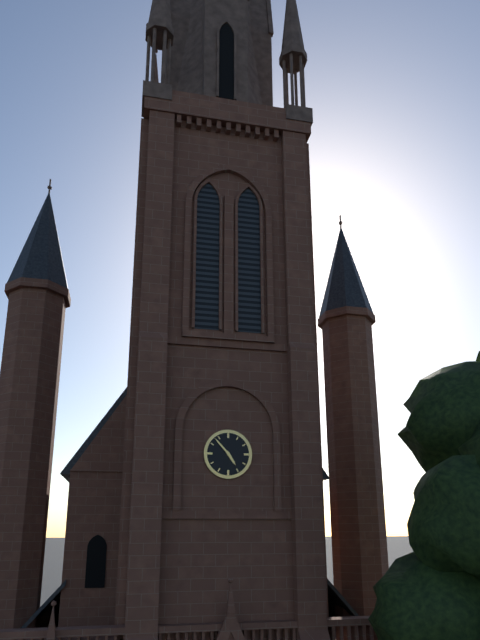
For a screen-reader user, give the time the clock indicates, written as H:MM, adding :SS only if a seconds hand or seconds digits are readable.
4:53
